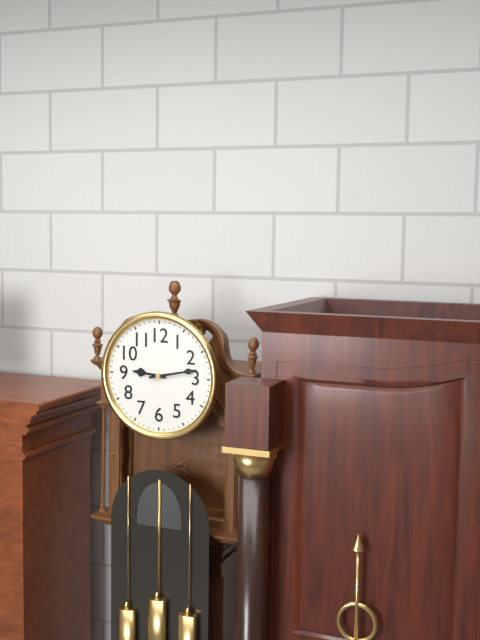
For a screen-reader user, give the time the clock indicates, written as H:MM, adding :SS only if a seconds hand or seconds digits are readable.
9:13
